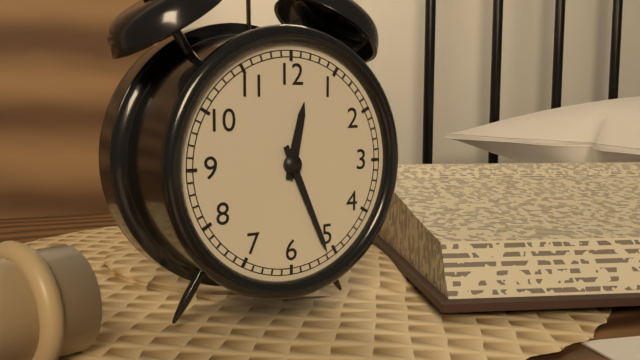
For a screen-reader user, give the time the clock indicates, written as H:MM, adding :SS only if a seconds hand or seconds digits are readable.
12:26
